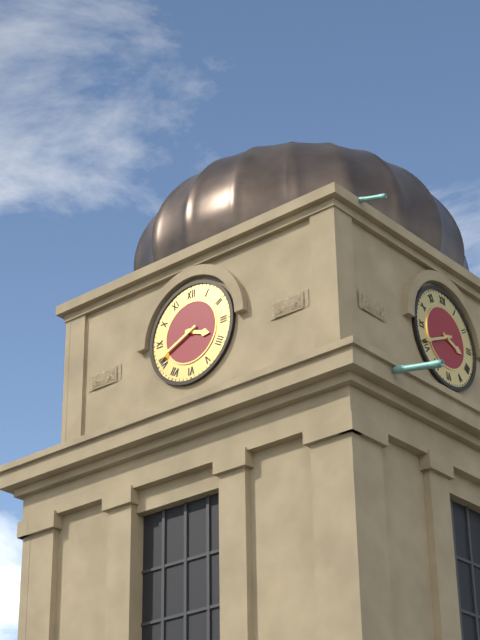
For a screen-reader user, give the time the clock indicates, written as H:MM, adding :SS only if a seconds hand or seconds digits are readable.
3:41
